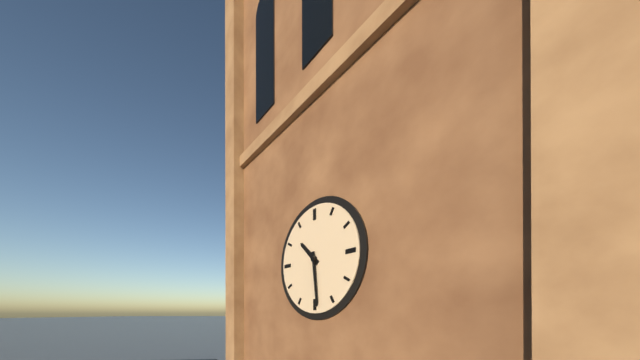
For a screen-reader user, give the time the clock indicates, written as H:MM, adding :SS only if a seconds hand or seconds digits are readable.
10:29
